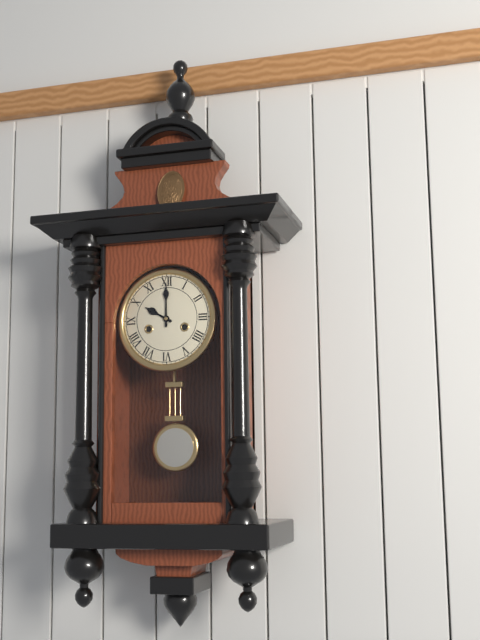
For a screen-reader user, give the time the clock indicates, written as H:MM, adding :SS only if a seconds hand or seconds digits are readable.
10:00
